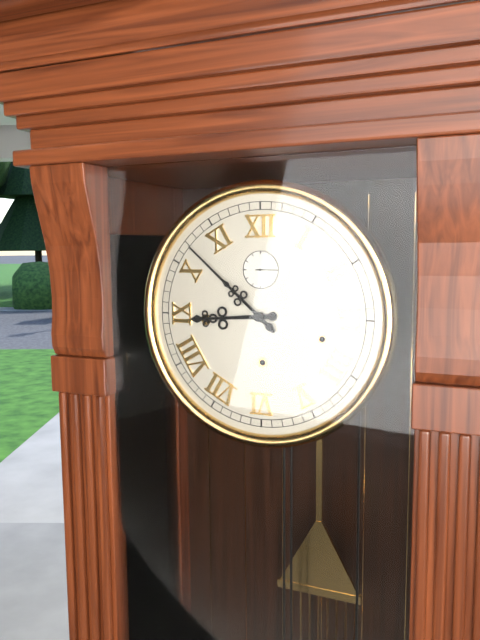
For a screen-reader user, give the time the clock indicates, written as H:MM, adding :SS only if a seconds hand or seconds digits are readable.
8:52
